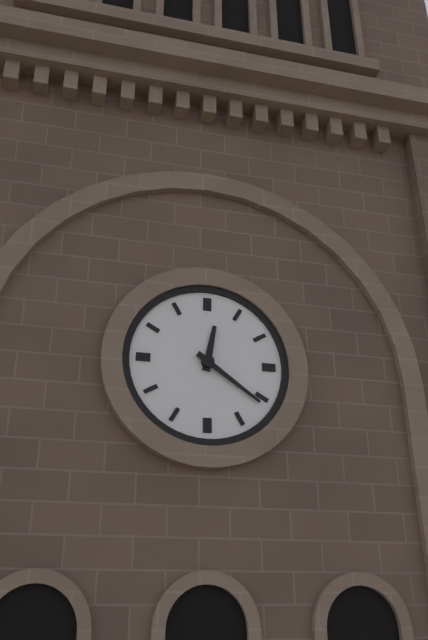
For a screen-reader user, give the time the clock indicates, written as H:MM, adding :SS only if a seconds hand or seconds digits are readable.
12:21
